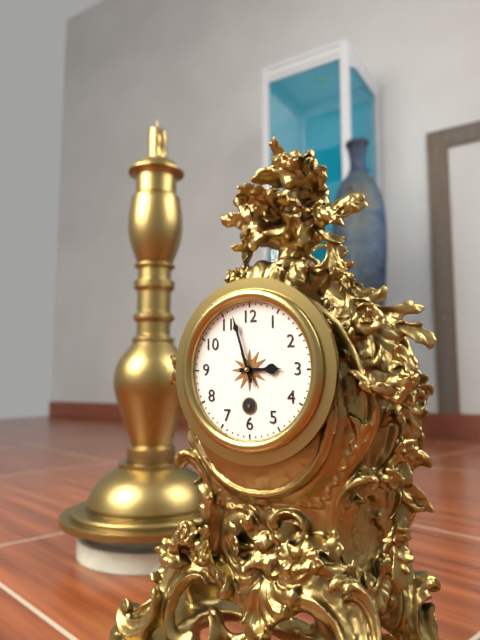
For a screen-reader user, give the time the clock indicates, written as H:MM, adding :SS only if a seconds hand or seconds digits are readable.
2:57
